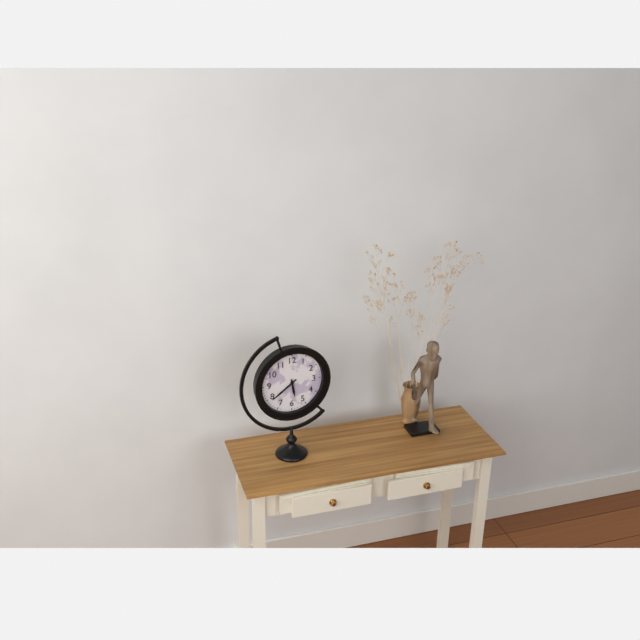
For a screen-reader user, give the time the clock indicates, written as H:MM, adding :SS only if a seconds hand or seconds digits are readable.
5:39
